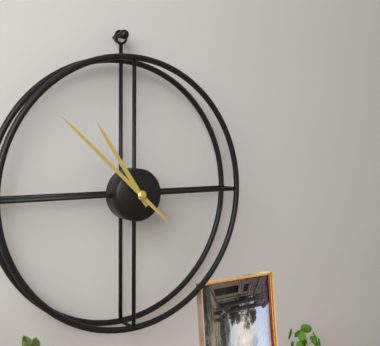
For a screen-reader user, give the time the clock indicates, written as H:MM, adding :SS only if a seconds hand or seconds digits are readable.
10:52
